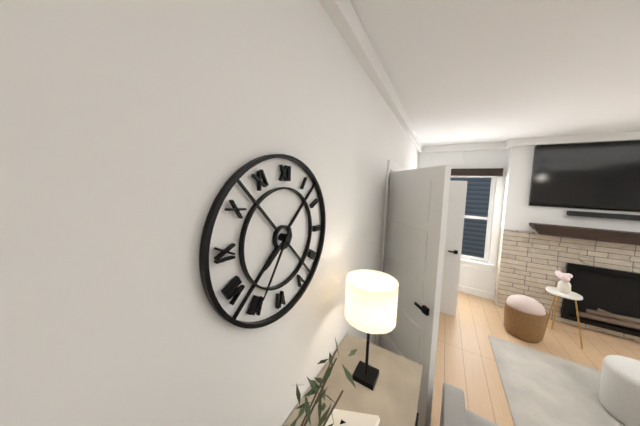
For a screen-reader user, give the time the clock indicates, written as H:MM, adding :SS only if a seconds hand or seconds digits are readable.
7:35
